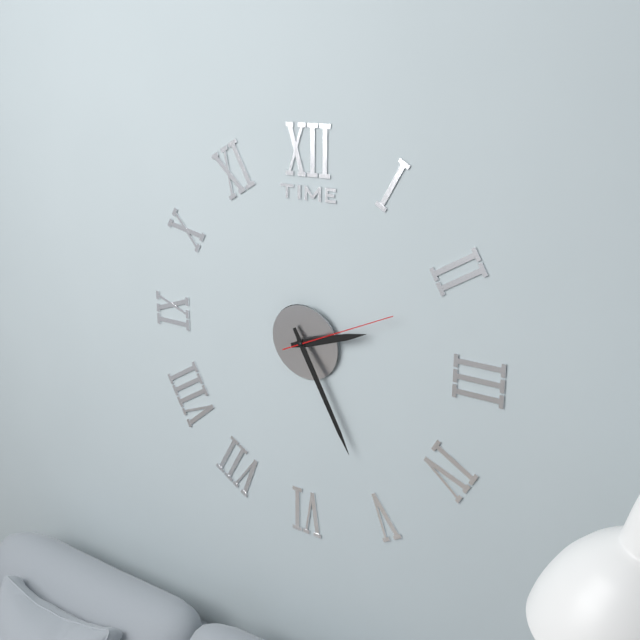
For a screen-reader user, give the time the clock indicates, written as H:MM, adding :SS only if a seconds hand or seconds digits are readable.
2:25:11
